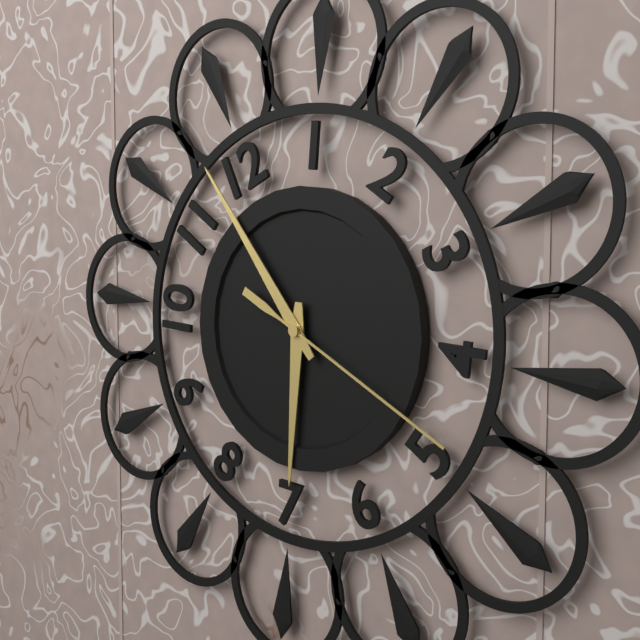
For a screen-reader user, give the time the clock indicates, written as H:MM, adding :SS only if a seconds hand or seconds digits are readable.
6:58:24
